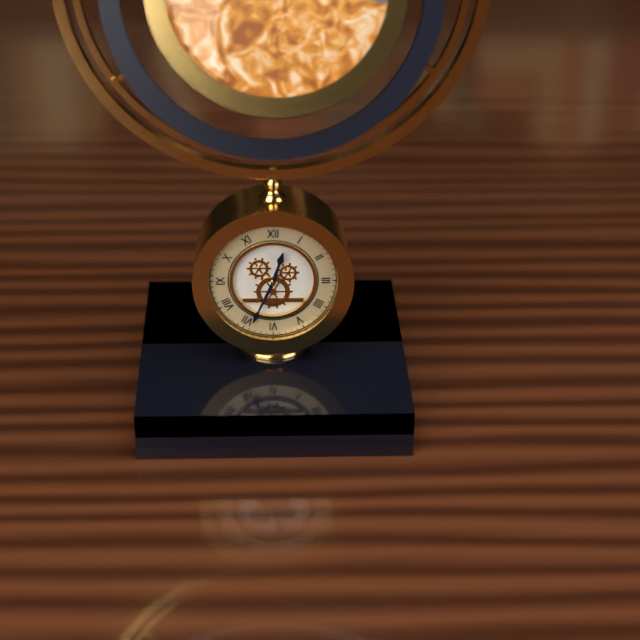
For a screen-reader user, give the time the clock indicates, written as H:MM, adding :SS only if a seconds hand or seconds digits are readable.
12:34
